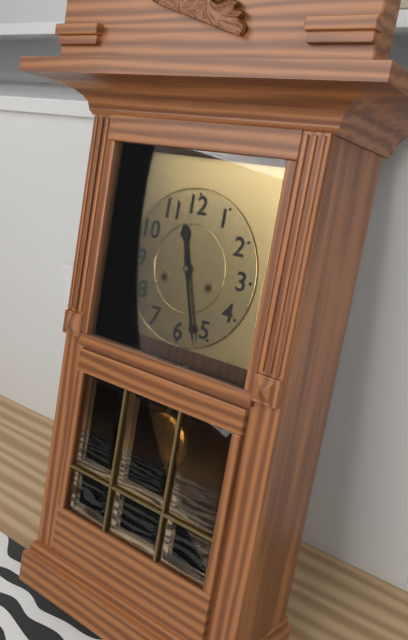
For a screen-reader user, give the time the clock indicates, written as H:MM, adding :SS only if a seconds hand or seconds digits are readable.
11:27
